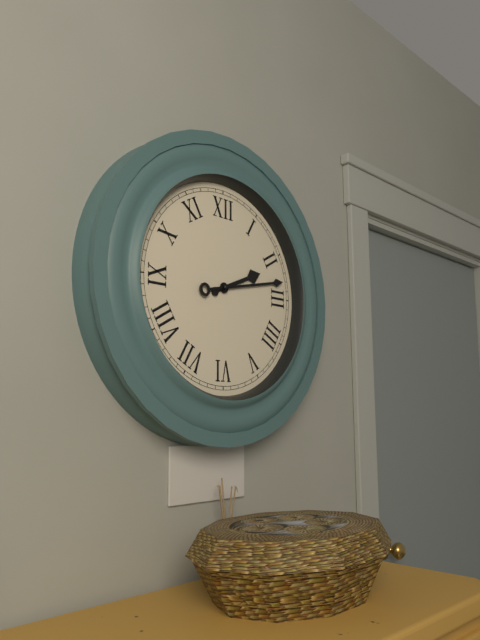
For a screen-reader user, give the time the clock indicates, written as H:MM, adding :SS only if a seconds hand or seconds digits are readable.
2:13
